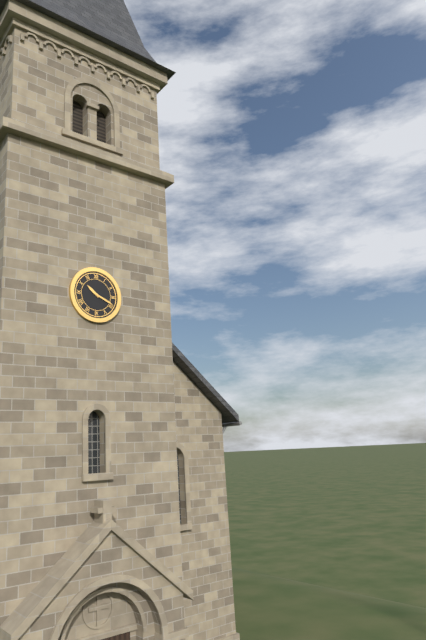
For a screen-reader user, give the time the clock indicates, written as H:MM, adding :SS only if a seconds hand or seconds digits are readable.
10:19
